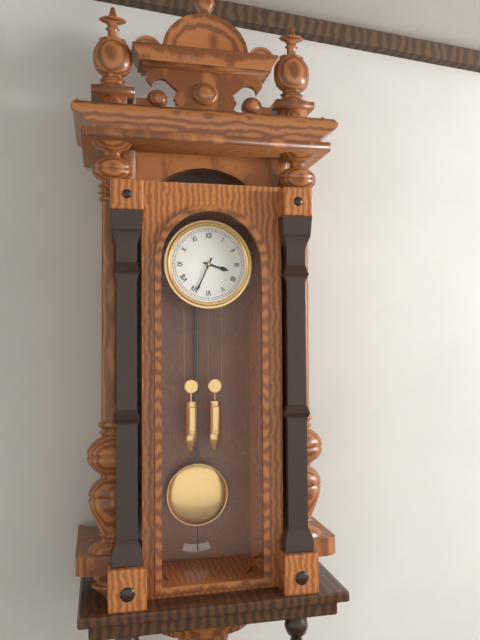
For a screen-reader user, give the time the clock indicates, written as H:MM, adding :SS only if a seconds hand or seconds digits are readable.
3:34
